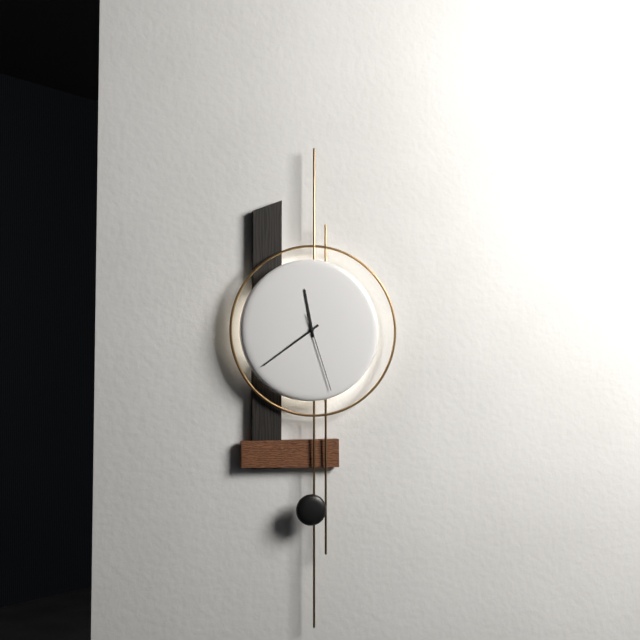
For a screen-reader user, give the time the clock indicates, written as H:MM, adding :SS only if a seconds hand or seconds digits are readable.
11:39:27
